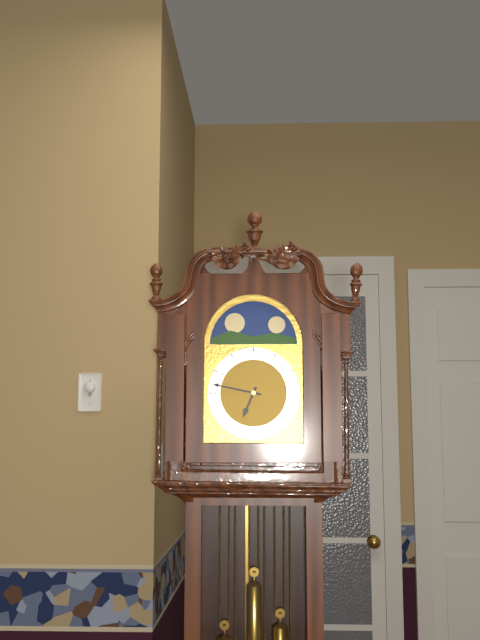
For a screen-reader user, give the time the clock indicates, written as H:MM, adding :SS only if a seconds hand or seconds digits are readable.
6:47
